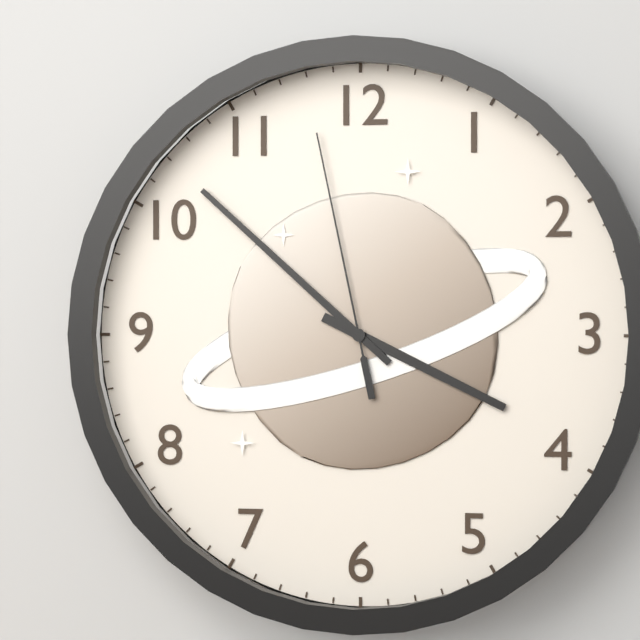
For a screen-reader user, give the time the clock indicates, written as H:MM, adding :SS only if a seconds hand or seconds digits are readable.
3:52:58
